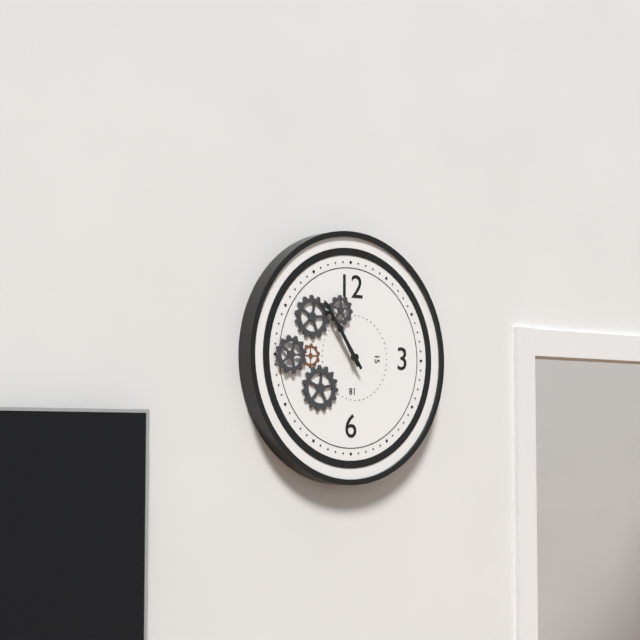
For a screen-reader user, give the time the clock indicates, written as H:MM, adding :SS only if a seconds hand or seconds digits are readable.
10:54
